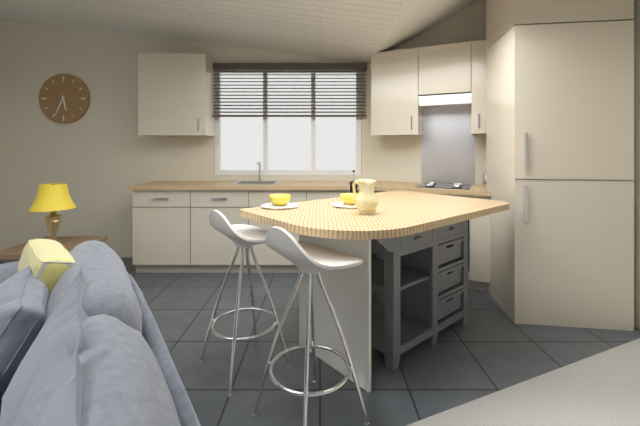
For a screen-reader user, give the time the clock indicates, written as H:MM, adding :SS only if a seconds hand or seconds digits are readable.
5:34
